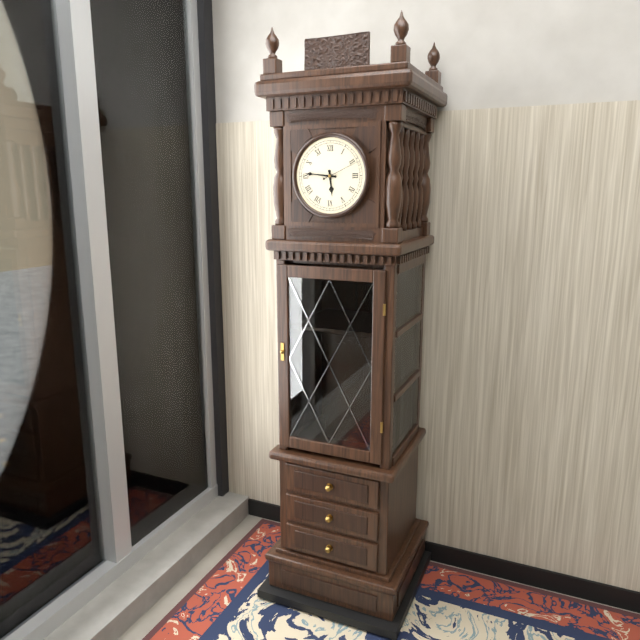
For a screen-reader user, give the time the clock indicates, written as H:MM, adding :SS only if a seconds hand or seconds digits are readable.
5:46
